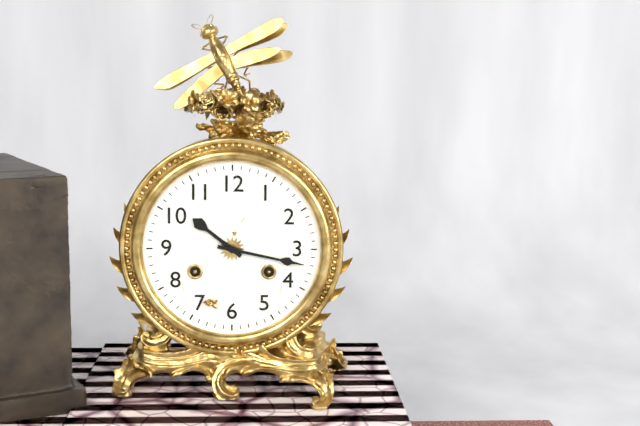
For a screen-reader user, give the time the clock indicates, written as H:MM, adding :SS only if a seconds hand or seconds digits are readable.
10:17
